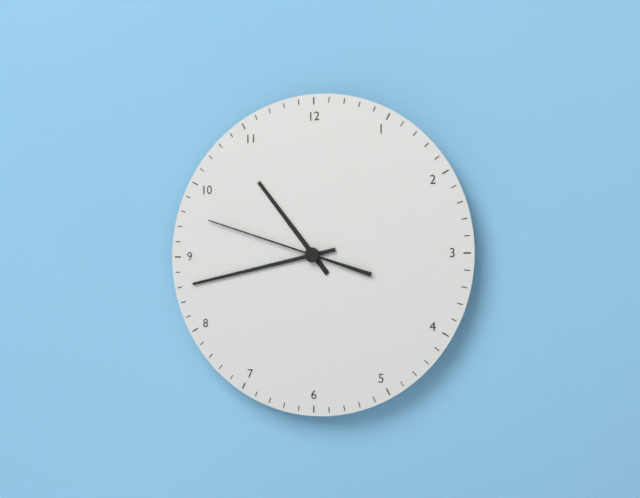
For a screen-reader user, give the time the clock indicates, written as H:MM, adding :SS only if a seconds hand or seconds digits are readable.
10:43:48
